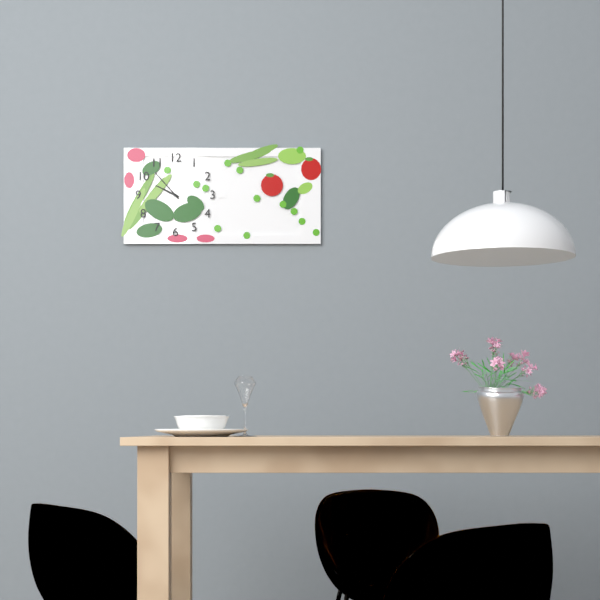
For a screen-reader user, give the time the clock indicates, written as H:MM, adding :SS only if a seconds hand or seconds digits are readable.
9:53
